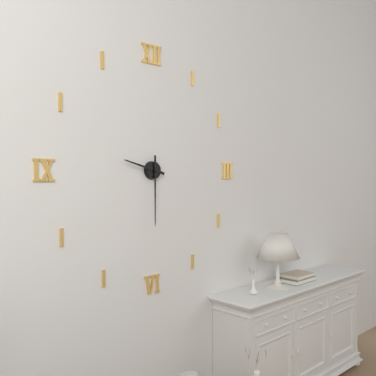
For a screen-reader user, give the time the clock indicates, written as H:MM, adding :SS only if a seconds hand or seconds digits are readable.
9:30
